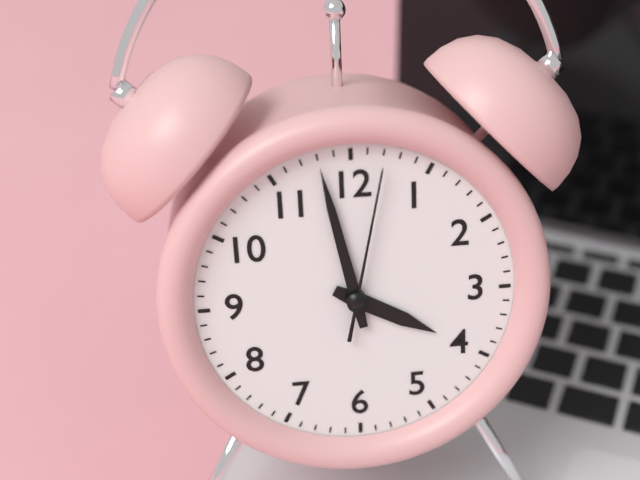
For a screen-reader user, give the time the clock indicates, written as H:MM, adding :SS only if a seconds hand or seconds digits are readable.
3:58:02
